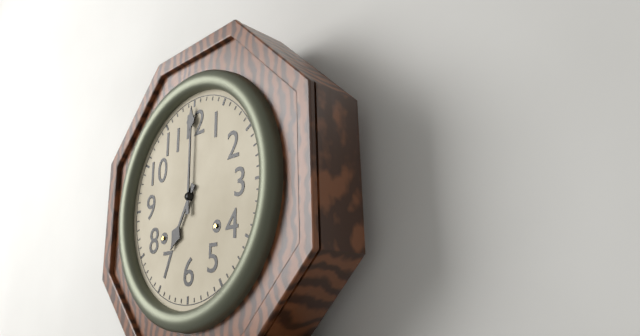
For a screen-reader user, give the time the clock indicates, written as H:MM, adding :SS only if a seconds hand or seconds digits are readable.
7:00
